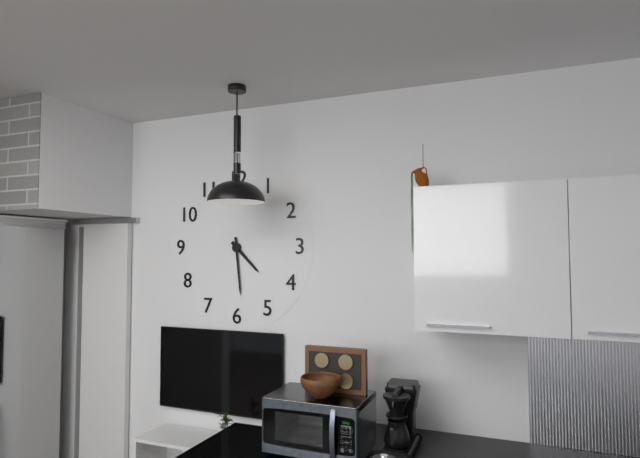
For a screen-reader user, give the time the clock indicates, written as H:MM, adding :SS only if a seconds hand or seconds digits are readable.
4:29
